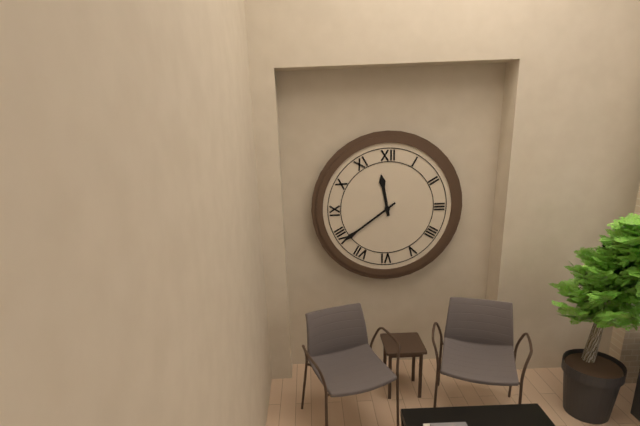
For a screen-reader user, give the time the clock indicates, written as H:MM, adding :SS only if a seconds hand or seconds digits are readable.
11:39
